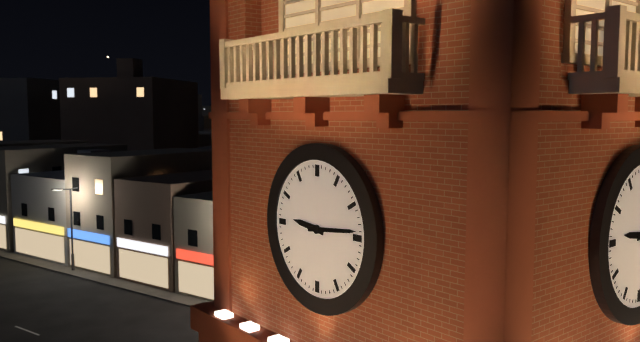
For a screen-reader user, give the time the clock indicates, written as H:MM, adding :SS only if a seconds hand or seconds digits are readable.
9:14
